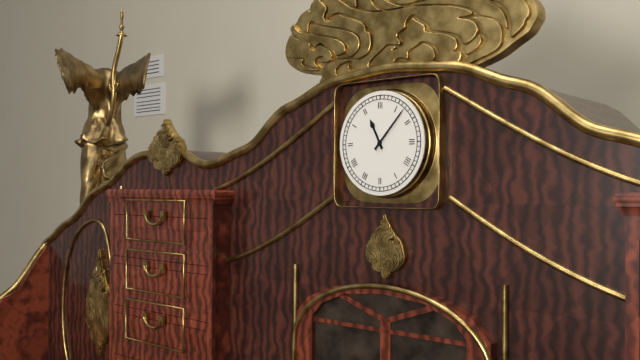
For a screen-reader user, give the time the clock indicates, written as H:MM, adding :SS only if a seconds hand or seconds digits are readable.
11:07
